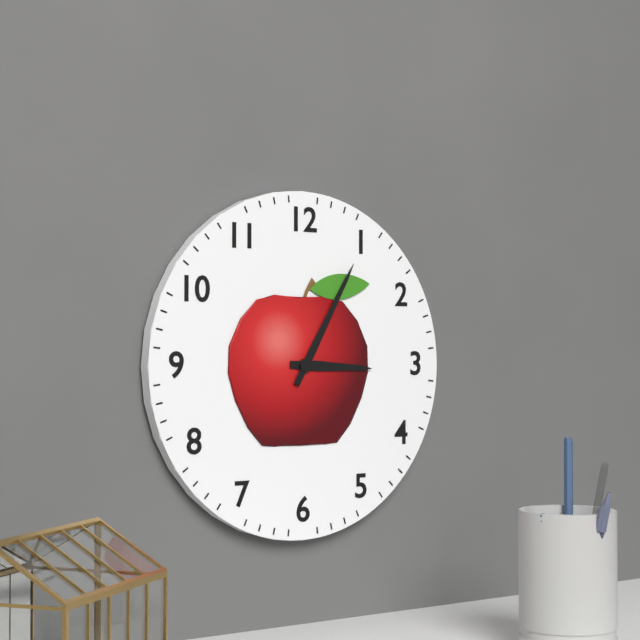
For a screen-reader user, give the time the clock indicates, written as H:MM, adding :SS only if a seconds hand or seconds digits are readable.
3:05
